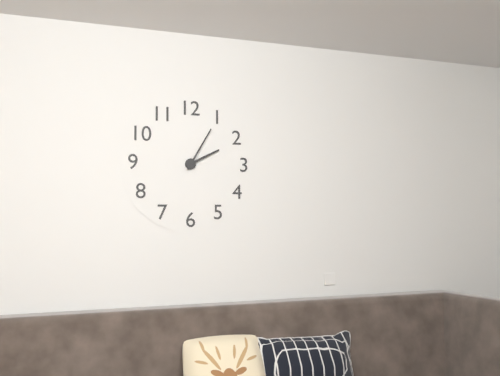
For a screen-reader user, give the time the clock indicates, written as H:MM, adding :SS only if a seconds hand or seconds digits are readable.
2:05
